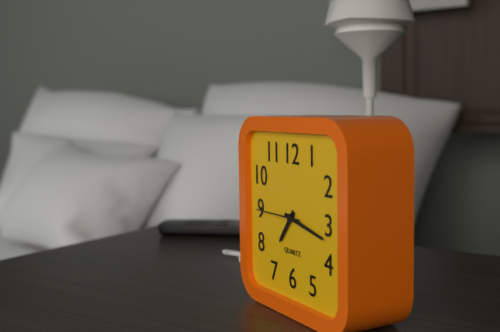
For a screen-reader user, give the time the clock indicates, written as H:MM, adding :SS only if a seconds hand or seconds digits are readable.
7:17:45
